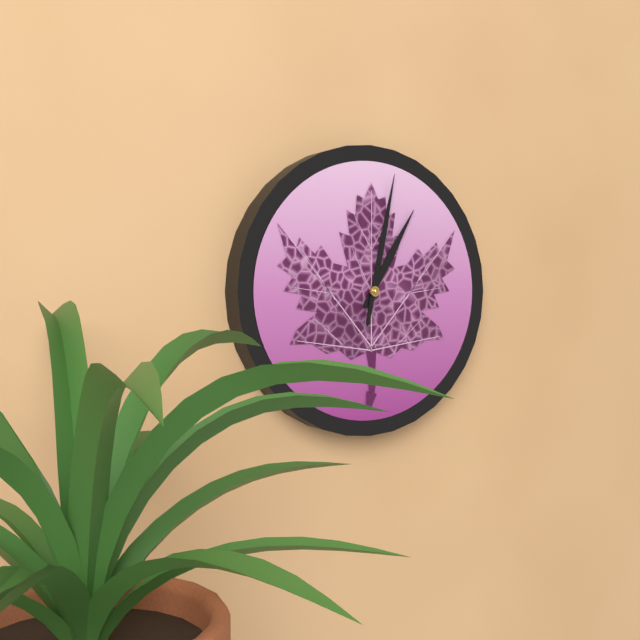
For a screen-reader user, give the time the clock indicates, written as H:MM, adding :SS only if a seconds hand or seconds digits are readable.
1:02
